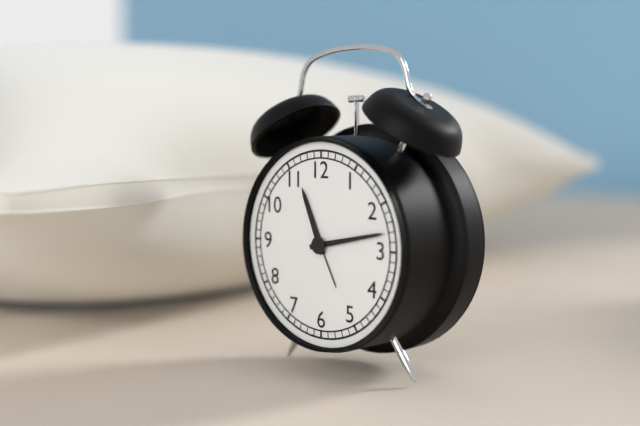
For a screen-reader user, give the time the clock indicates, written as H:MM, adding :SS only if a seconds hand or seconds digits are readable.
11:13
